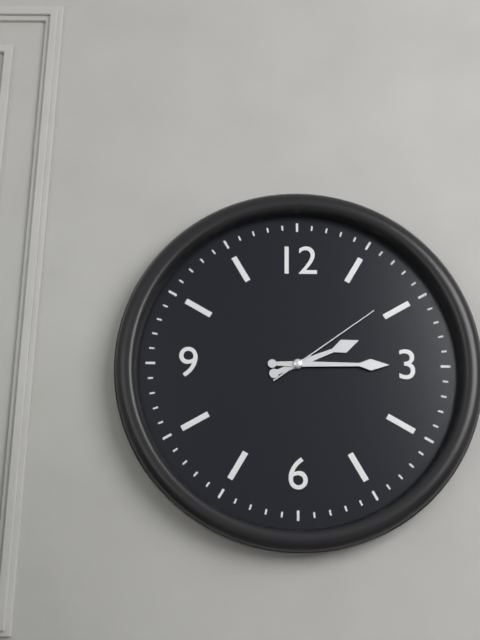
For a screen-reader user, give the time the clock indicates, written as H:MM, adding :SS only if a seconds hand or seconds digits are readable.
2:15:09
